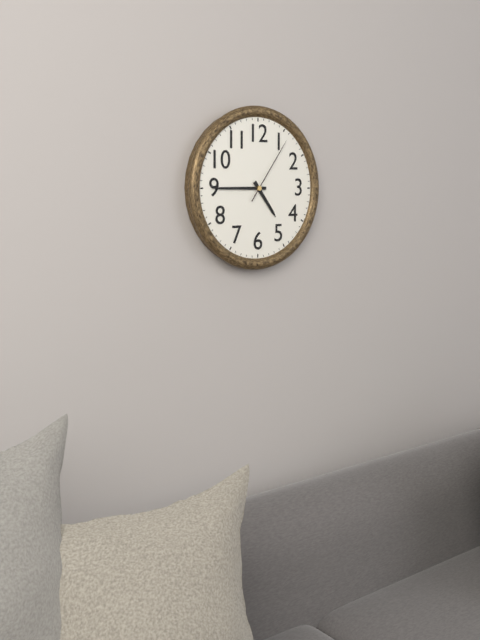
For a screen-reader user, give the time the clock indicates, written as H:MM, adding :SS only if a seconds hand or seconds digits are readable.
4:45:06
